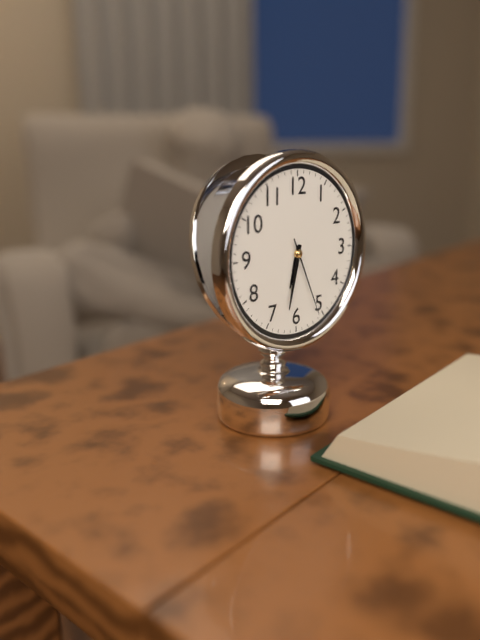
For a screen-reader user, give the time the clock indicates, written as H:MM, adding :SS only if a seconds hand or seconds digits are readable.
6:32:26
